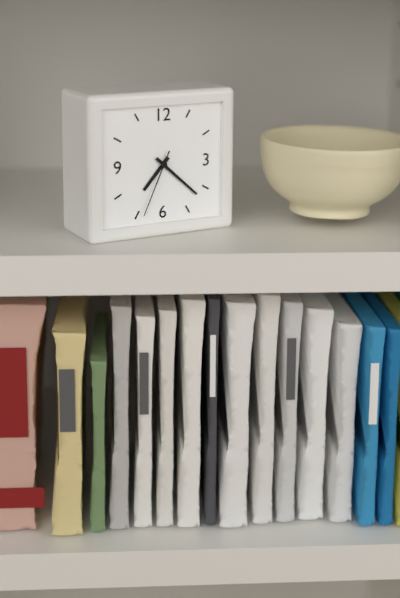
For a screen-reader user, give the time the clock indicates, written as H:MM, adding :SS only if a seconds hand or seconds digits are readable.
7:22:34
